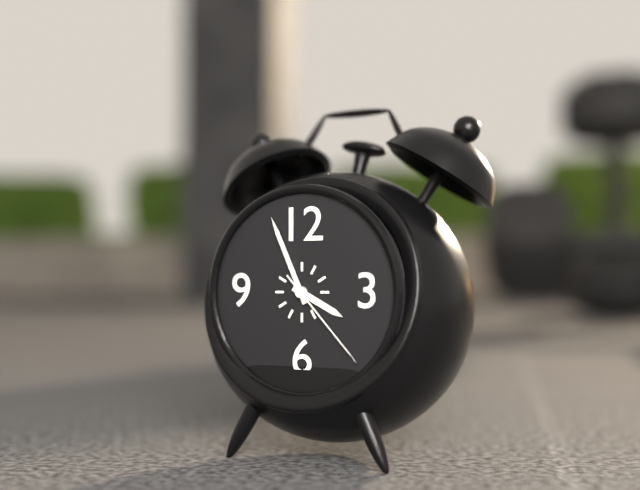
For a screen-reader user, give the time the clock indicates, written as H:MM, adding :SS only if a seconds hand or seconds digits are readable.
3:56:23
